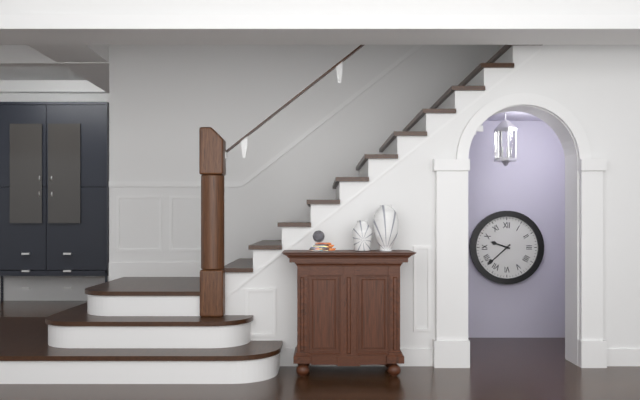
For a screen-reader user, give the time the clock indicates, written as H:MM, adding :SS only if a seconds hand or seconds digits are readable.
9:38
